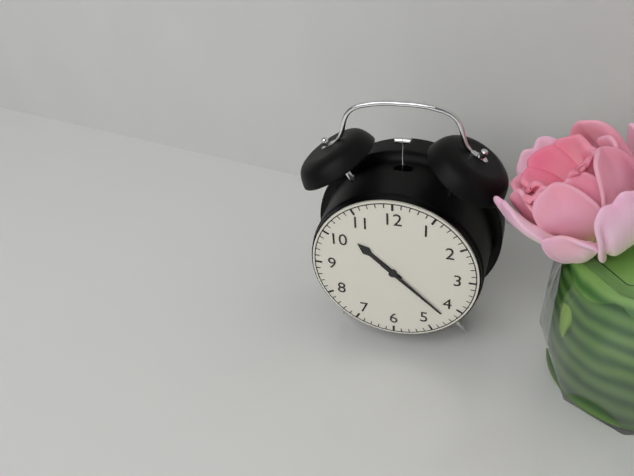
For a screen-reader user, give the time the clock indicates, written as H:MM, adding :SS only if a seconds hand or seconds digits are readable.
10:22
